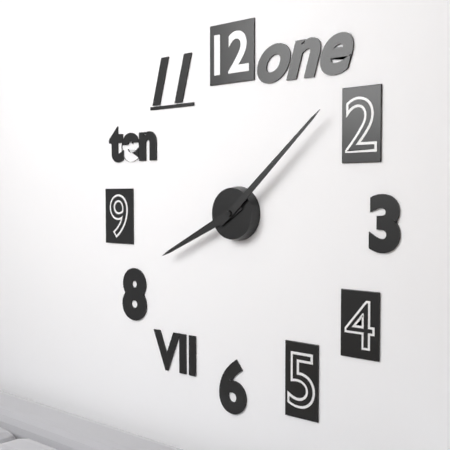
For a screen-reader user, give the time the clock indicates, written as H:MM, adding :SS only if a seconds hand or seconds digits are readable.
8:08
